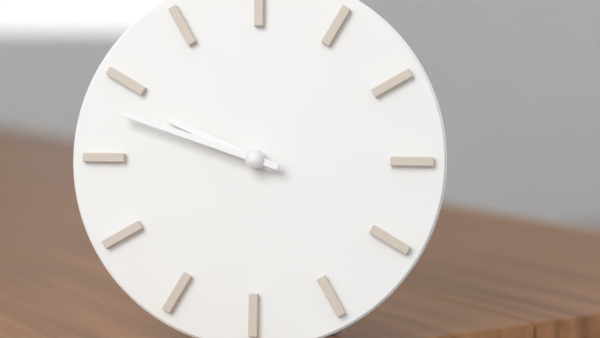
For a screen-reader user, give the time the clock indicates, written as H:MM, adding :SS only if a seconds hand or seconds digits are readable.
9:48
